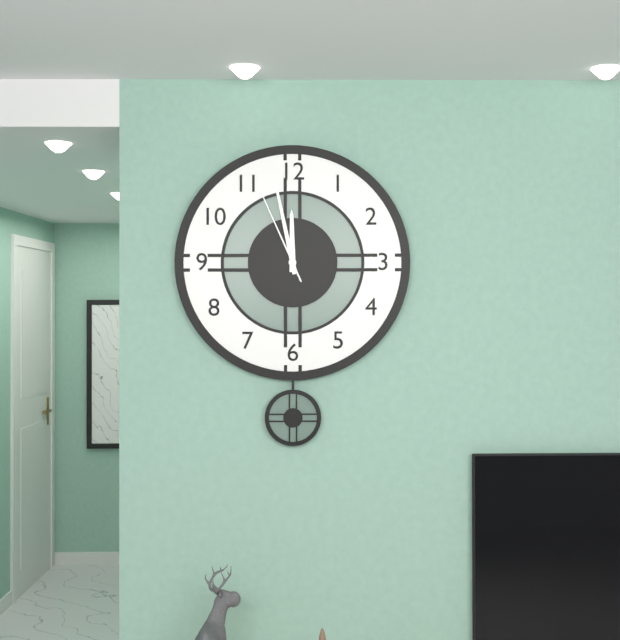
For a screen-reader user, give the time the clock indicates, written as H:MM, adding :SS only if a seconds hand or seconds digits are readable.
11:58:56
